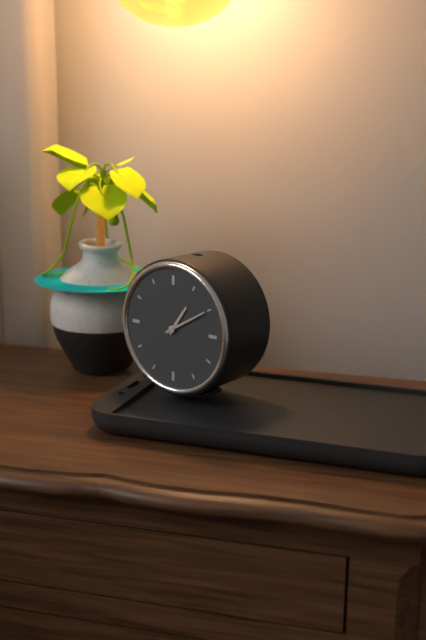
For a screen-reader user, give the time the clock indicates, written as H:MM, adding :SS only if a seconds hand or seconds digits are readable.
1:10
